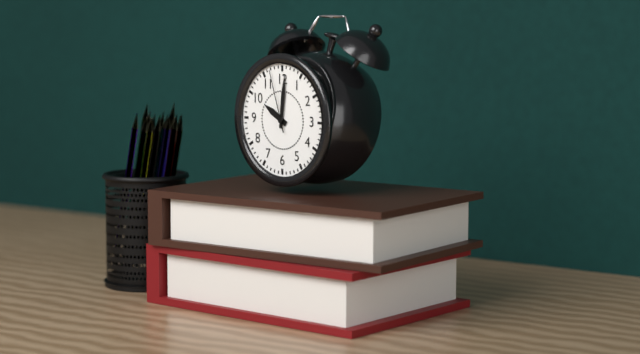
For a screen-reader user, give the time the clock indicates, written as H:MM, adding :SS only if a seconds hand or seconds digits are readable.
10:01:57
